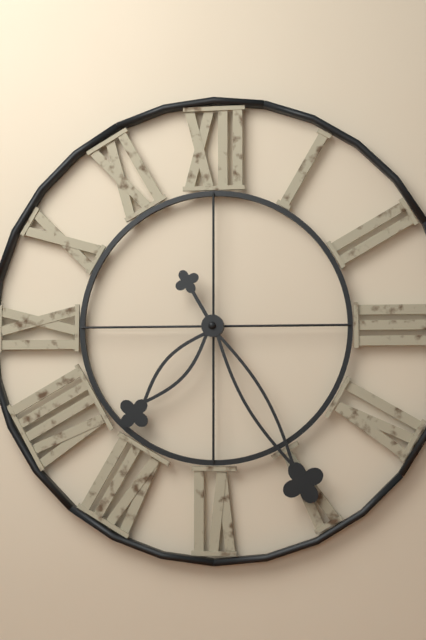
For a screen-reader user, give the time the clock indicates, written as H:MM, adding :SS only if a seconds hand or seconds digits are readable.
7:25
